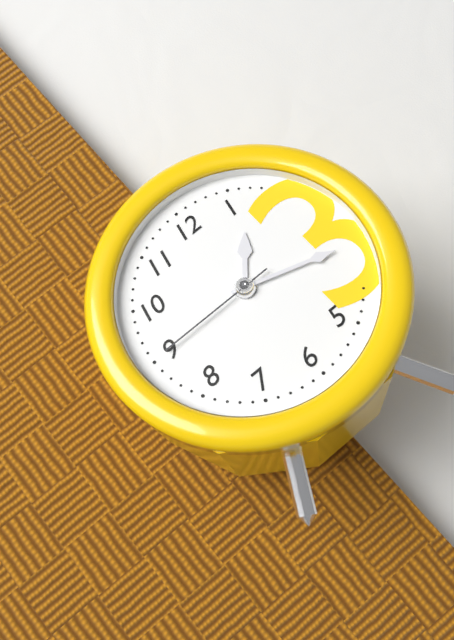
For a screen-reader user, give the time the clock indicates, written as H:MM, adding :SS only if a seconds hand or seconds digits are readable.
1:18:45
